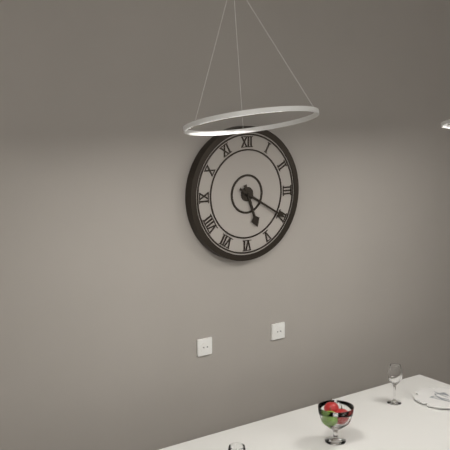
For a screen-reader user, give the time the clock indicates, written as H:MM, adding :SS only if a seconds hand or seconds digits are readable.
5:20
